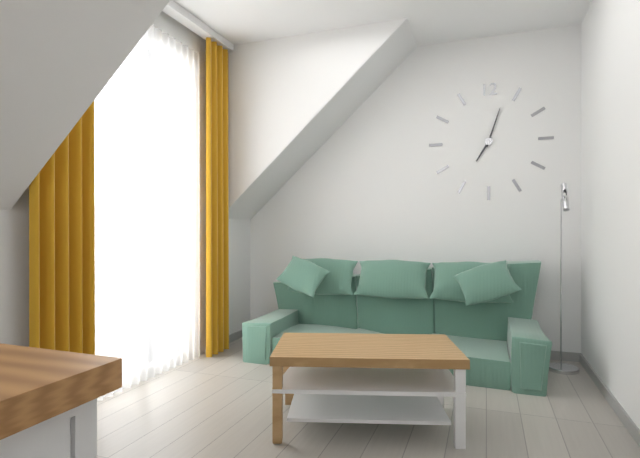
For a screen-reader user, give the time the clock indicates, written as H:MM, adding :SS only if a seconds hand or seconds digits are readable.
7:03
